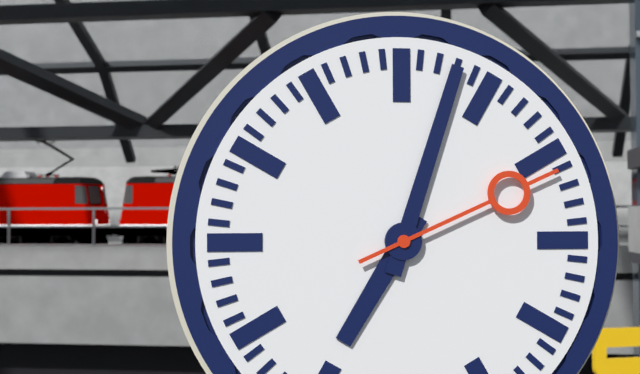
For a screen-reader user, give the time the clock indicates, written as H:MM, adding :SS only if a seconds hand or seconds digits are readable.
7:03:11
